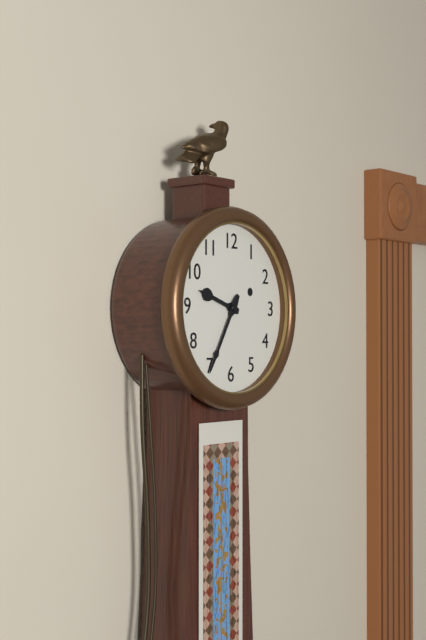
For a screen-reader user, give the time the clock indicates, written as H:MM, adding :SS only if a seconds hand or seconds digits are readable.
9:35
